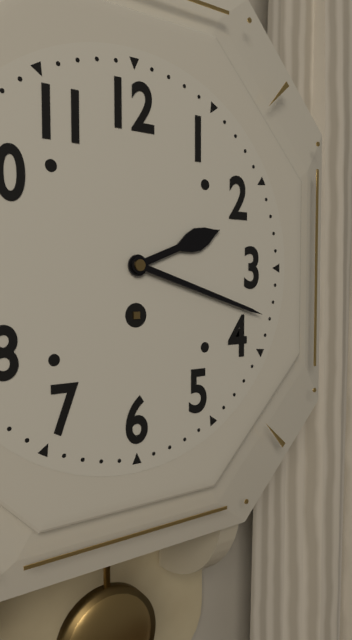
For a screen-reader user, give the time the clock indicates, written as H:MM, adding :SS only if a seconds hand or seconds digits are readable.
2:18
